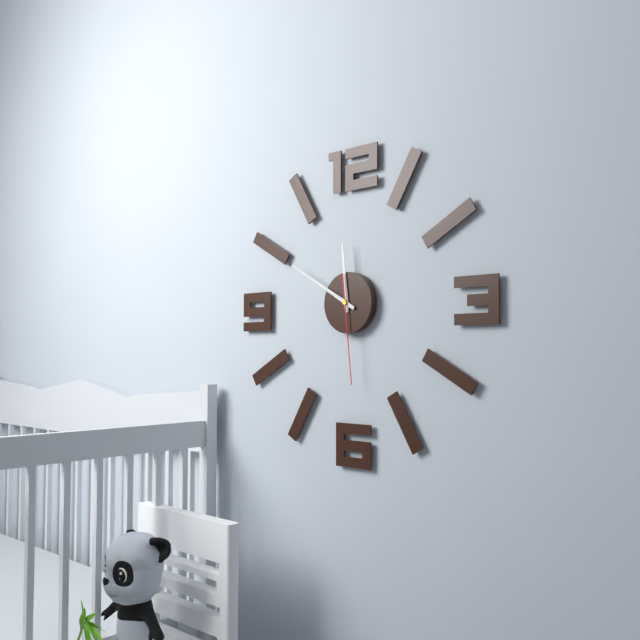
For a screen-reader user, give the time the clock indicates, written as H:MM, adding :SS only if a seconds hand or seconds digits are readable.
11:50:29
